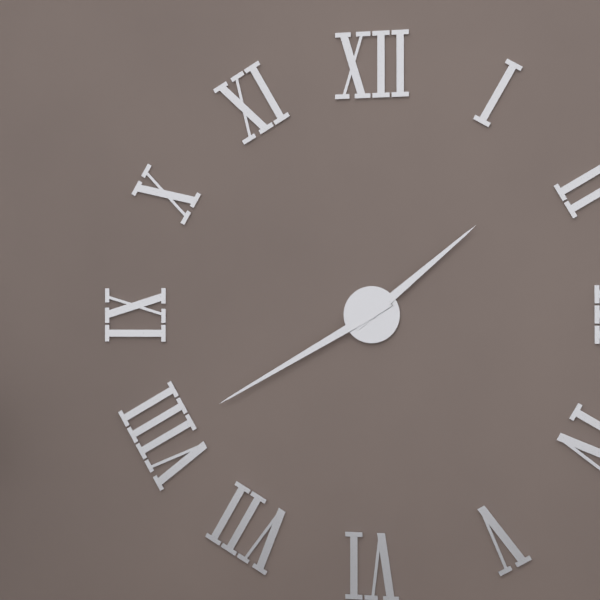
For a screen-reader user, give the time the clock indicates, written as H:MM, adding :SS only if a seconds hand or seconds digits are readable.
1:40
